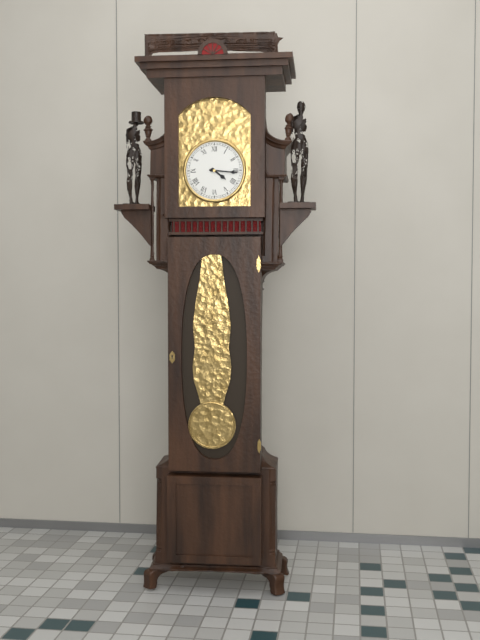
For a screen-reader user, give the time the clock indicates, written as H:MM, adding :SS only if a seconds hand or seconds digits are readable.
4:16
